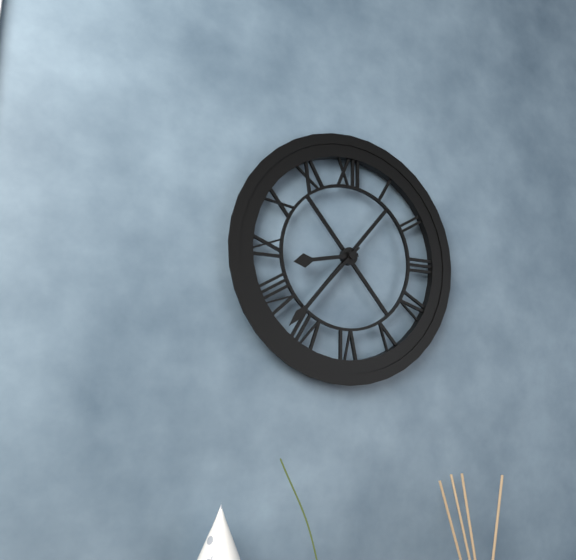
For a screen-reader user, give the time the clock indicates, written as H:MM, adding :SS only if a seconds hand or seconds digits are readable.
8:37
